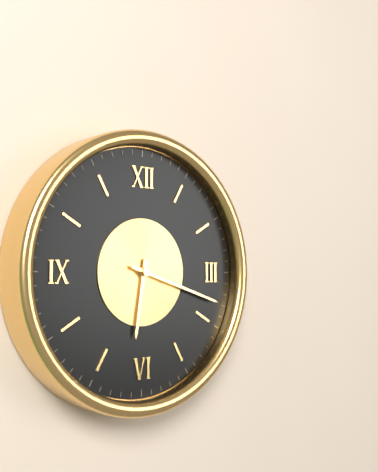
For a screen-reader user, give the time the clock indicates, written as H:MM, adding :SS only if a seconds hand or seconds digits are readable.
6:18
